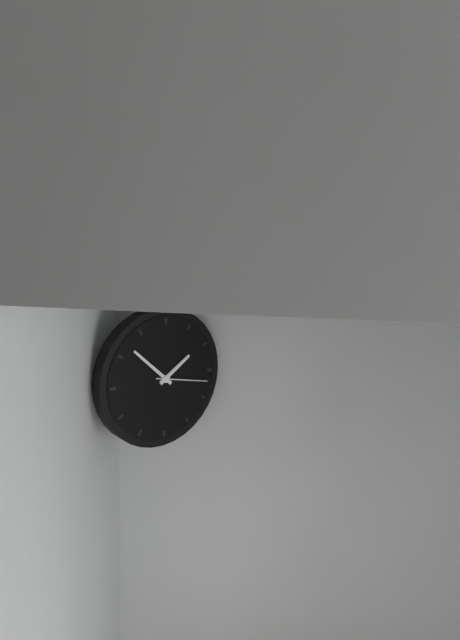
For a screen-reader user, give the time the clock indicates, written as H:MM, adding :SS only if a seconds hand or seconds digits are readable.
1:52:17
